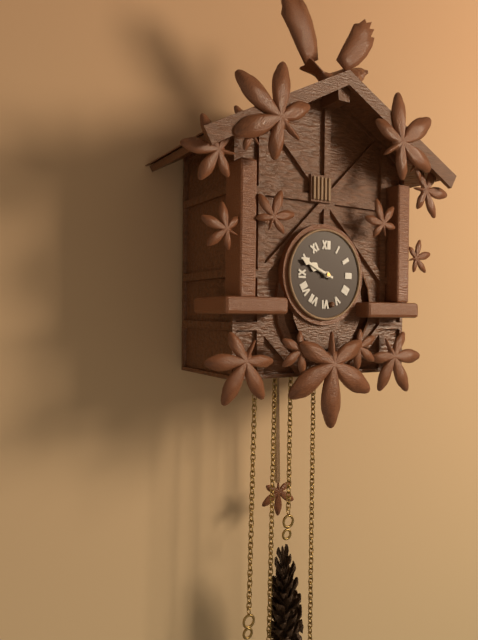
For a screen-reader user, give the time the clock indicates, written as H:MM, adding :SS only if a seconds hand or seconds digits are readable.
9:49
